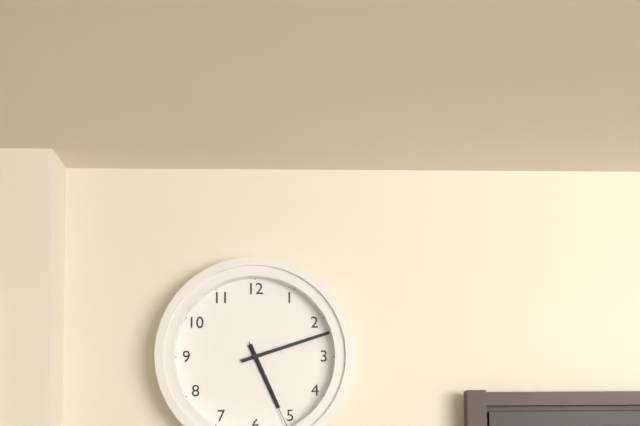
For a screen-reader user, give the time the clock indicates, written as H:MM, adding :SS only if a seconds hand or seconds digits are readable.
5:12
